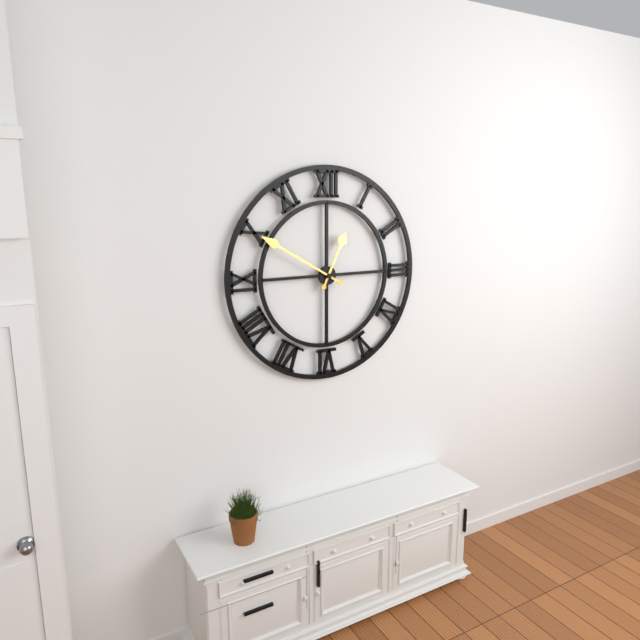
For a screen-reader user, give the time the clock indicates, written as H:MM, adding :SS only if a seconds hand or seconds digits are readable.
12:50
